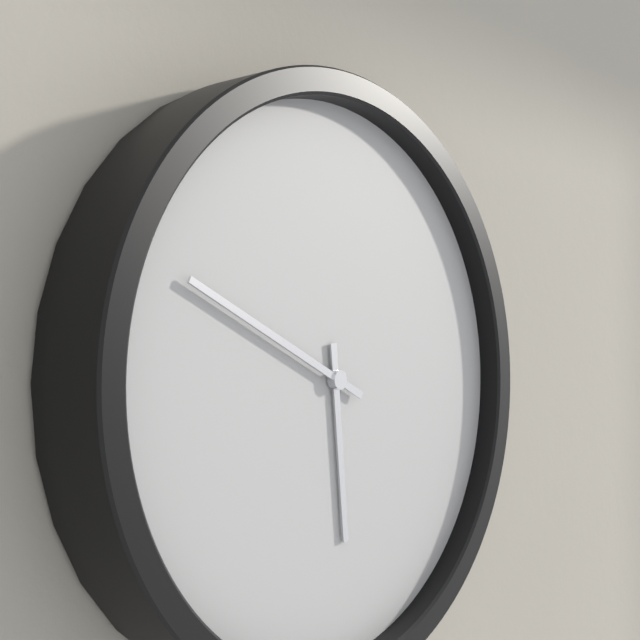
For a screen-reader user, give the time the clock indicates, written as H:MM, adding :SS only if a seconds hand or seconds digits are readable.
5:49
